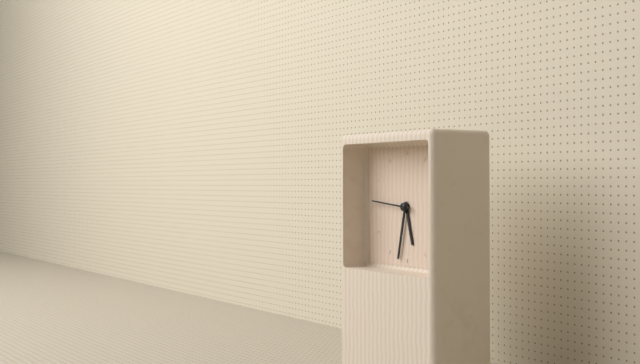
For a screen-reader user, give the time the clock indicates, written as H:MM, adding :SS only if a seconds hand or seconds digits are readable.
5:32
